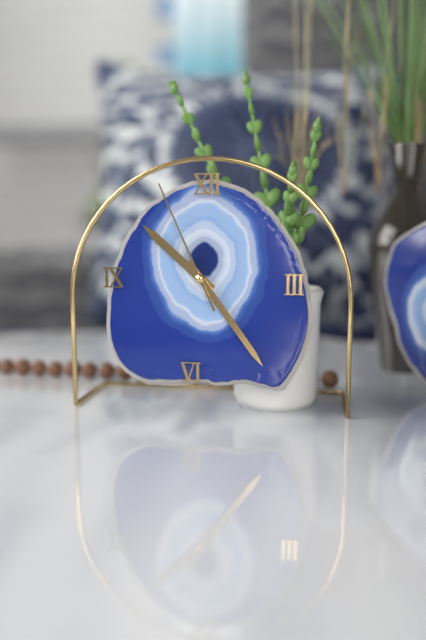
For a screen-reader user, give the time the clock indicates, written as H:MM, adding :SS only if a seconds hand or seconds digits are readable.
10:24:56
